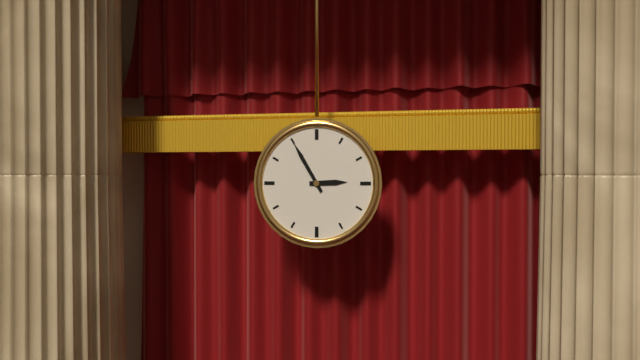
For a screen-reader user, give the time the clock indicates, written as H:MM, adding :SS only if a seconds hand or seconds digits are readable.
2:55
